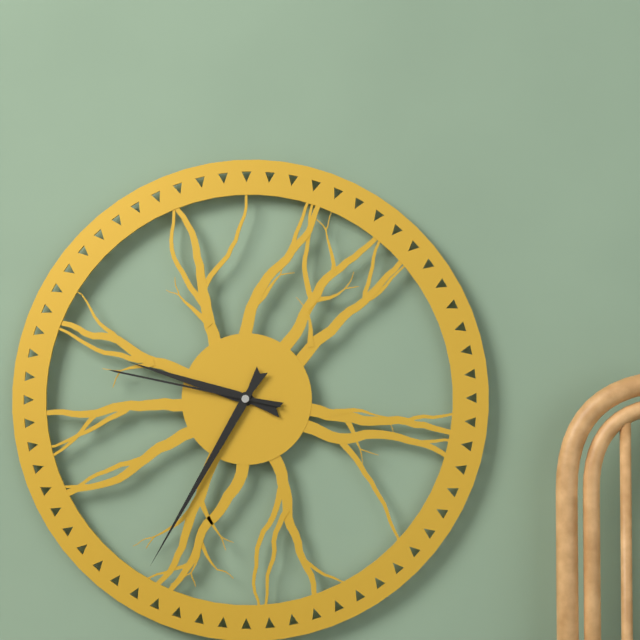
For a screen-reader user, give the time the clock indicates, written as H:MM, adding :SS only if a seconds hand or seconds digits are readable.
9:35:47
